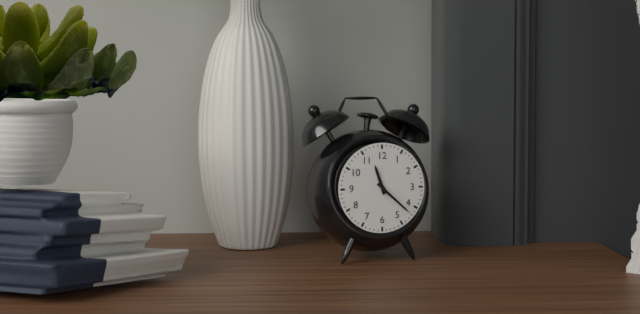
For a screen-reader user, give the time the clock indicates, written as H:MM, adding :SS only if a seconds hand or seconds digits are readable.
11:22
